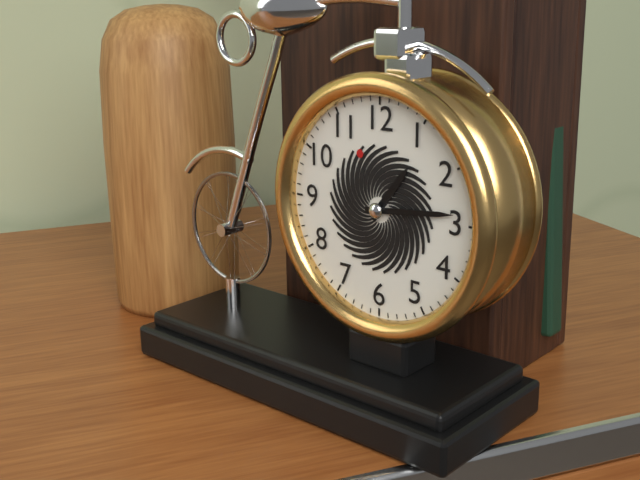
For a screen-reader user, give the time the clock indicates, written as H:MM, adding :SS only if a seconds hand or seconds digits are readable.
1:14
